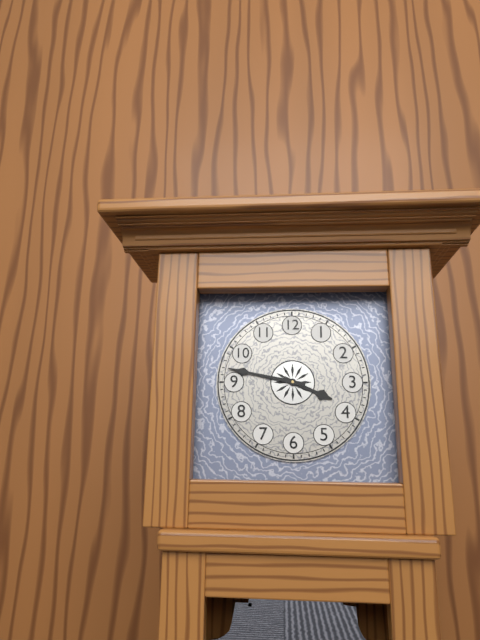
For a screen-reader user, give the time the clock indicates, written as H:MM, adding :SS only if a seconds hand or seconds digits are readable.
3:47
